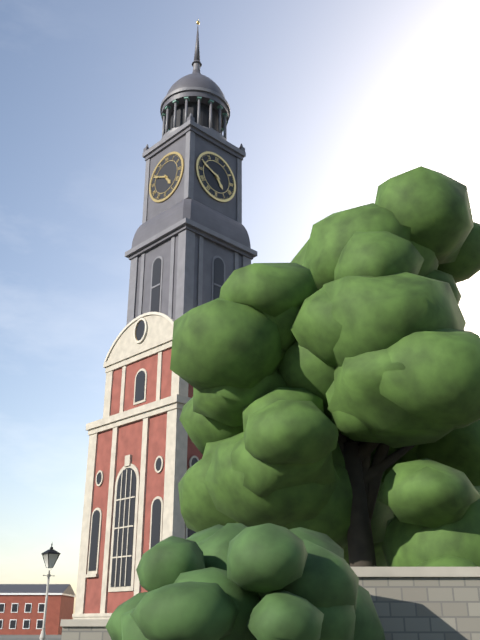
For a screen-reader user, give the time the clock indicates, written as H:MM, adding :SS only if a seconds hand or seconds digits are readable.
4:49
